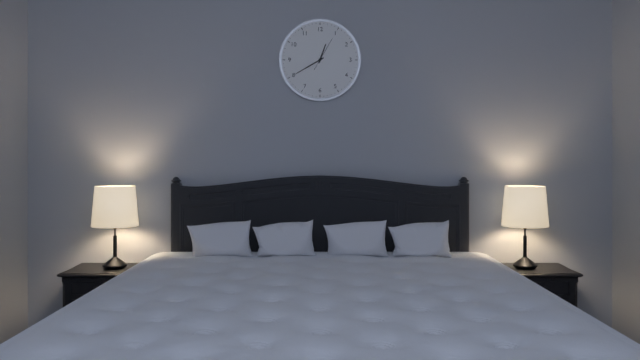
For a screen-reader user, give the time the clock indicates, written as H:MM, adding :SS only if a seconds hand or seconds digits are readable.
12:40
